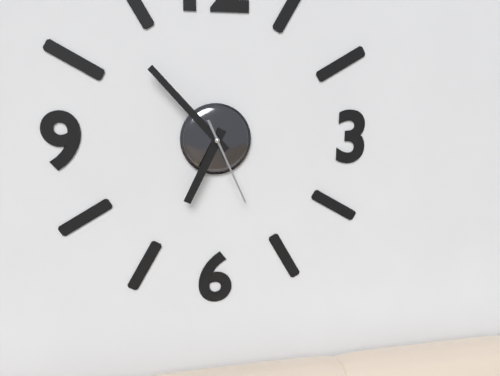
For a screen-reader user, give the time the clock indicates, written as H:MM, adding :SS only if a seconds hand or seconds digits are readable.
6:53:26
